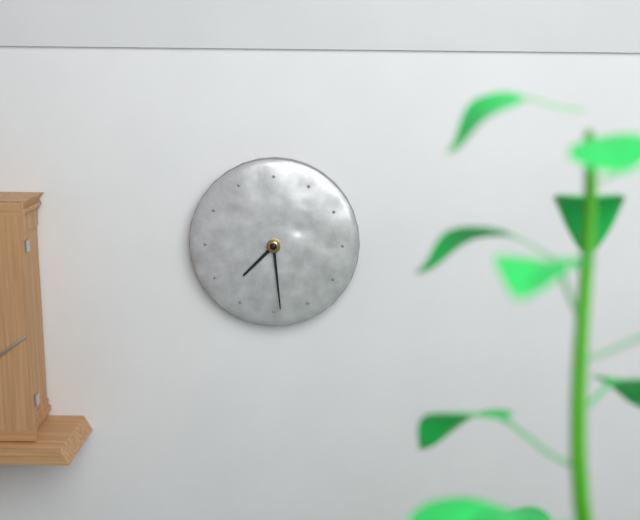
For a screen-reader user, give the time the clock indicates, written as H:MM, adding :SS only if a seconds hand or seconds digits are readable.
7:29
